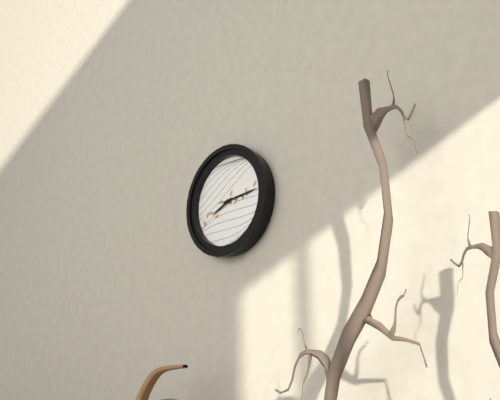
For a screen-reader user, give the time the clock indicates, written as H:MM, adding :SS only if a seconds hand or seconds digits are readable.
8:14
